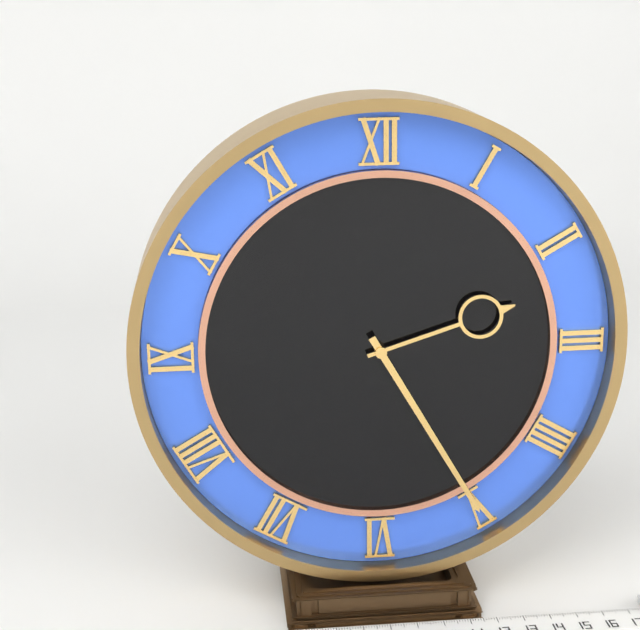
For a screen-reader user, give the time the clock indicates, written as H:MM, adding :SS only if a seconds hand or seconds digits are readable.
2:25
